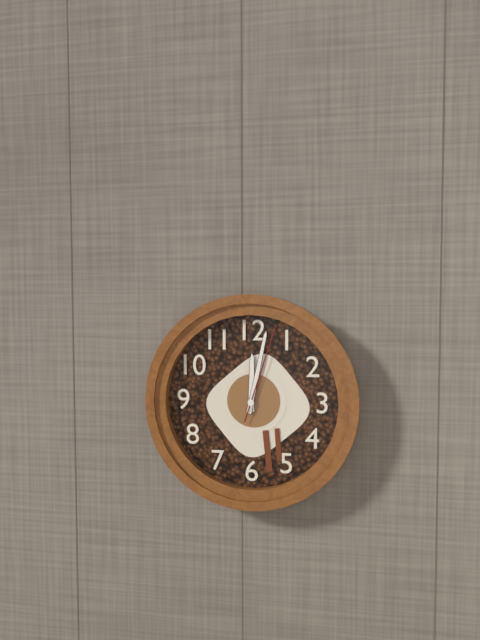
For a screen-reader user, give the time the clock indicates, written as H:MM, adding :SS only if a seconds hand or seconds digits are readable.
12:02:03
